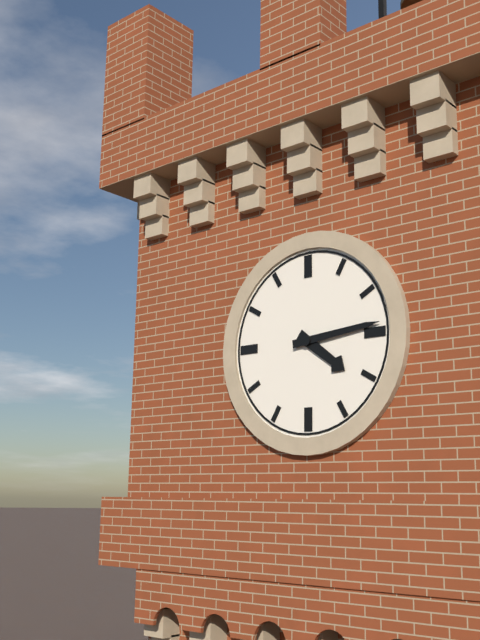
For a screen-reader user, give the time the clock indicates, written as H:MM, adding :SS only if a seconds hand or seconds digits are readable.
4:14
